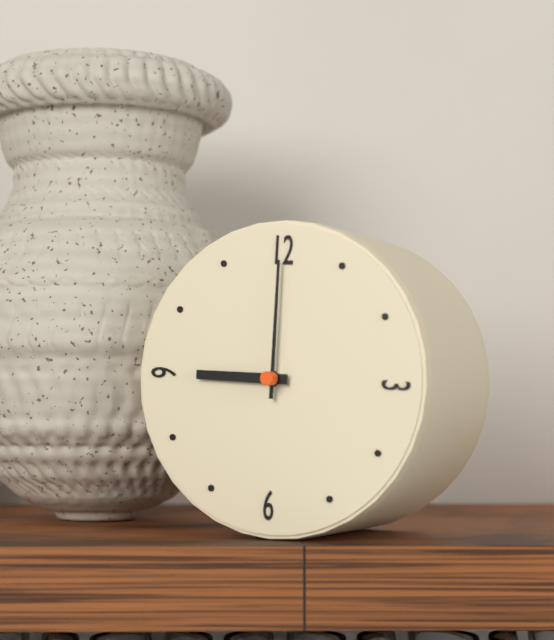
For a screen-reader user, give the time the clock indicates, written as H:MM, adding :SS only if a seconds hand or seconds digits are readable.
9:00
